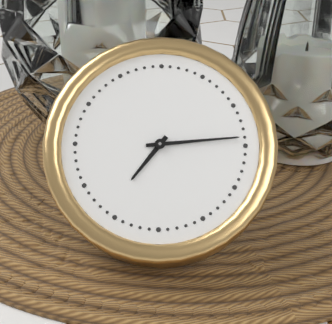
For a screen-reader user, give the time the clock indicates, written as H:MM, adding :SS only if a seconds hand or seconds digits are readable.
7:14
